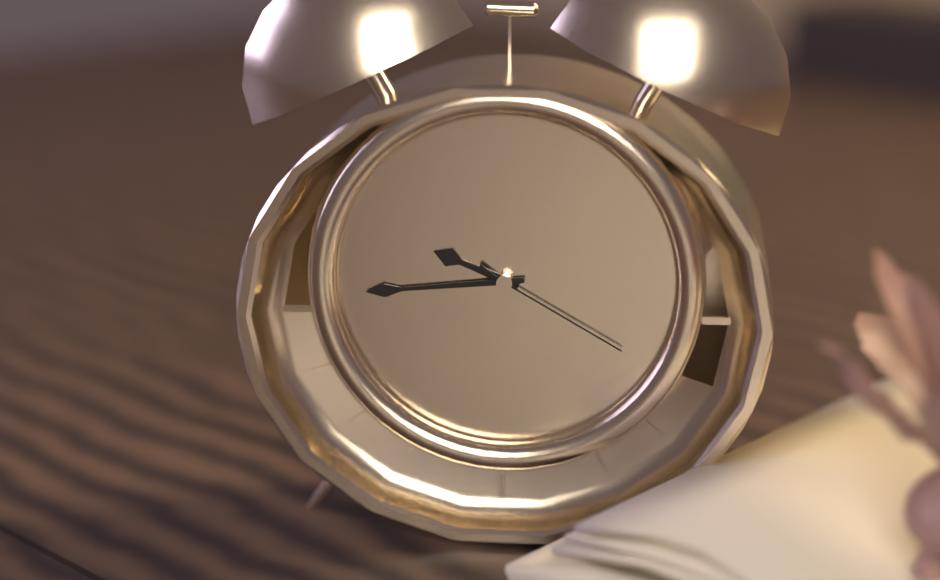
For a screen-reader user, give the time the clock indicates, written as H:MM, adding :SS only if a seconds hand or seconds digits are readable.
9:44:20
